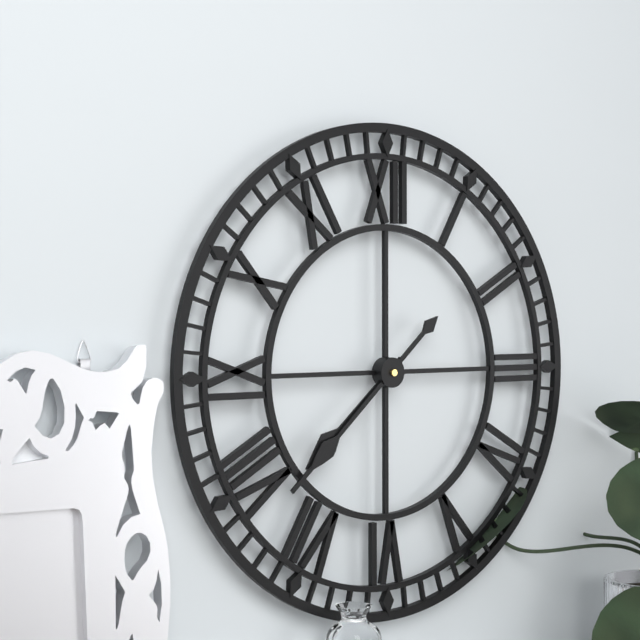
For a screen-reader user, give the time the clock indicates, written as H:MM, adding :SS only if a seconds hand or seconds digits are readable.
7:38
